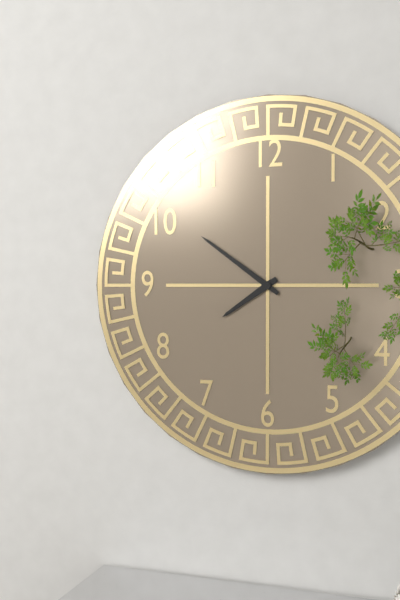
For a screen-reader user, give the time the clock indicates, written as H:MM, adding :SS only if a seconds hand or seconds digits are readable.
7:51
